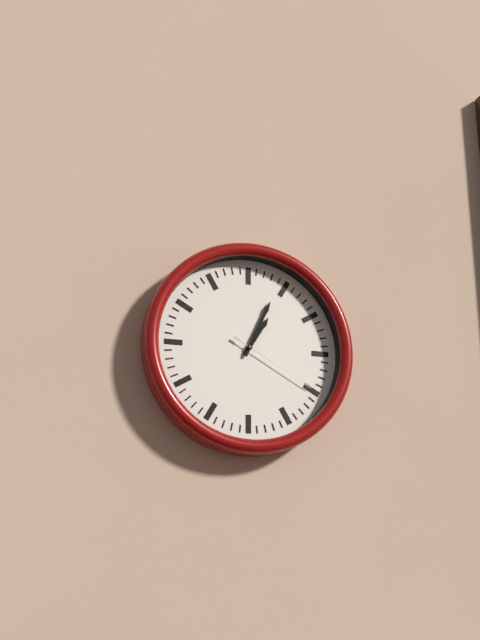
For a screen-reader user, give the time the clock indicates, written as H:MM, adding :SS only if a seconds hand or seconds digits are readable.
1:04:20
